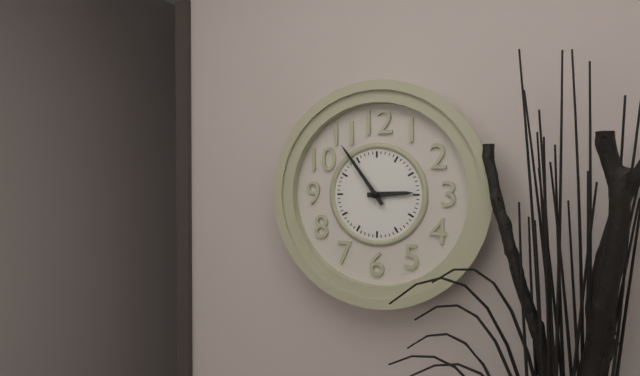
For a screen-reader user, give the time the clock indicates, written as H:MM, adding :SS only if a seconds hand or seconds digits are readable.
2:54
